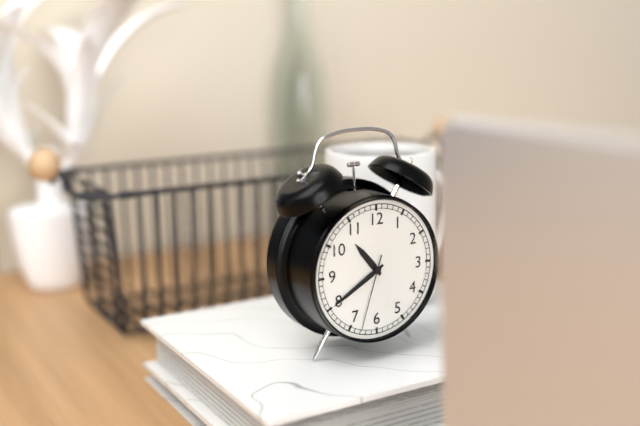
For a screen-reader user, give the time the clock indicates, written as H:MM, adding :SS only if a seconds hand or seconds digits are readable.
10:40:33
